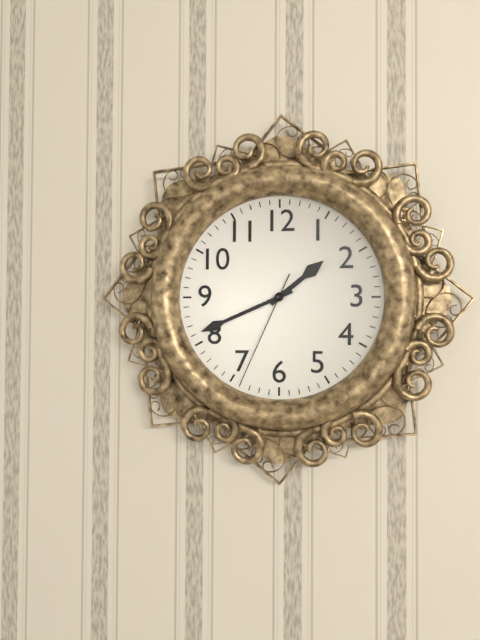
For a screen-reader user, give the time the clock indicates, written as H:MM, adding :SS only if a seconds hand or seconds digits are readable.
1:41:34
